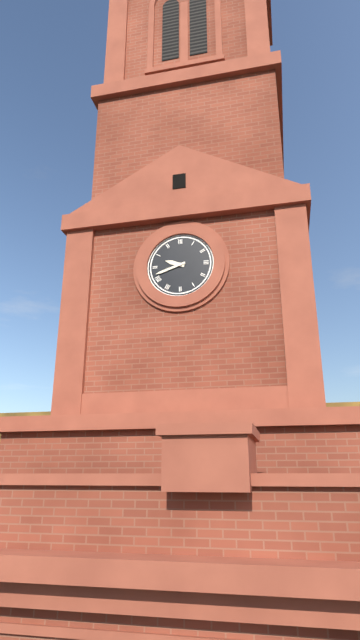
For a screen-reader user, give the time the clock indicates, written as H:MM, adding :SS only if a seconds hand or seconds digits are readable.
9:42
